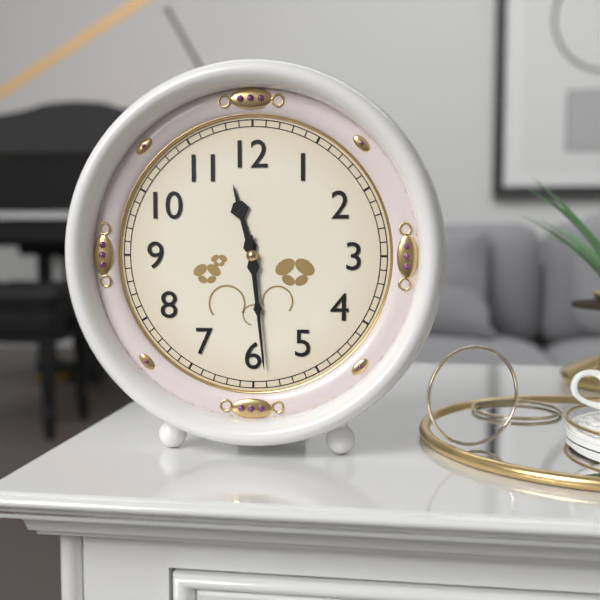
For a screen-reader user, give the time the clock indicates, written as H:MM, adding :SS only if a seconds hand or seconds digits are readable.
11:29
